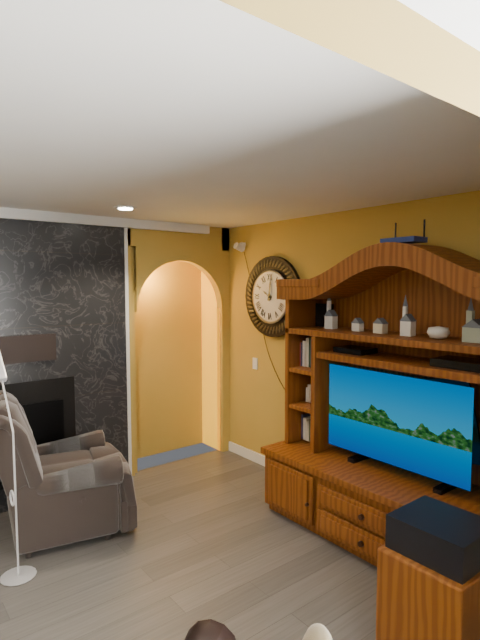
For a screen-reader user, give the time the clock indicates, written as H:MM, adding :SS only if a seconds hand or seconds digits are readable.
10:01
